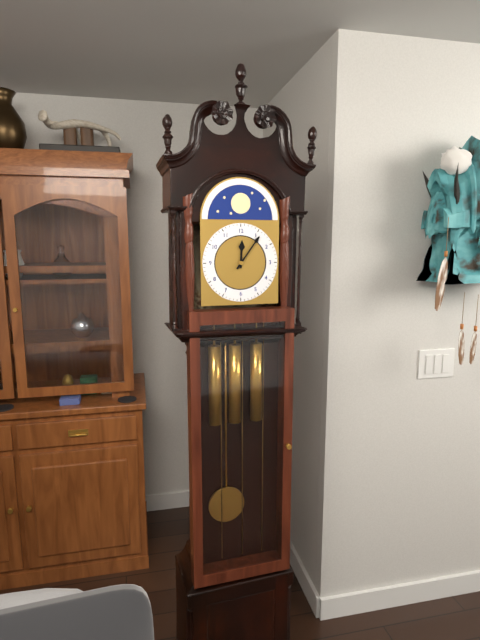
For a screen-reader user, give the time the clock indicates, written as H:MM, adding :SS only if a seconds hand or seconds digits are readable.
12:06
